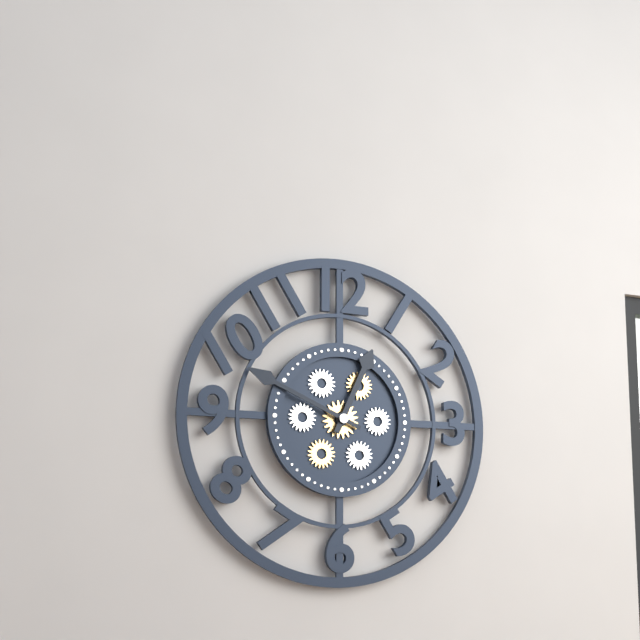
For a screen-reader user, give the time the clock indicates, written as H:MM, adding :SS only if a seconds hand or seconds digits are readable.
12:49
